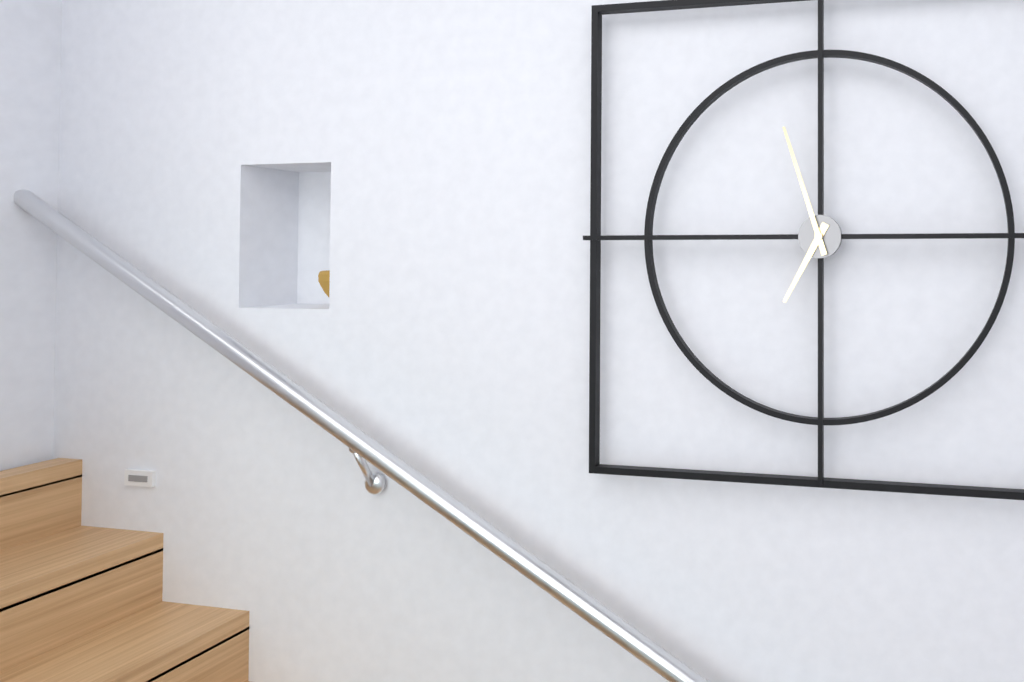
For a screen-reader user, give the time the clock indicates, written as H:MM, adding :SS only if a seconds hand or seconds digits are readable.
6:57
